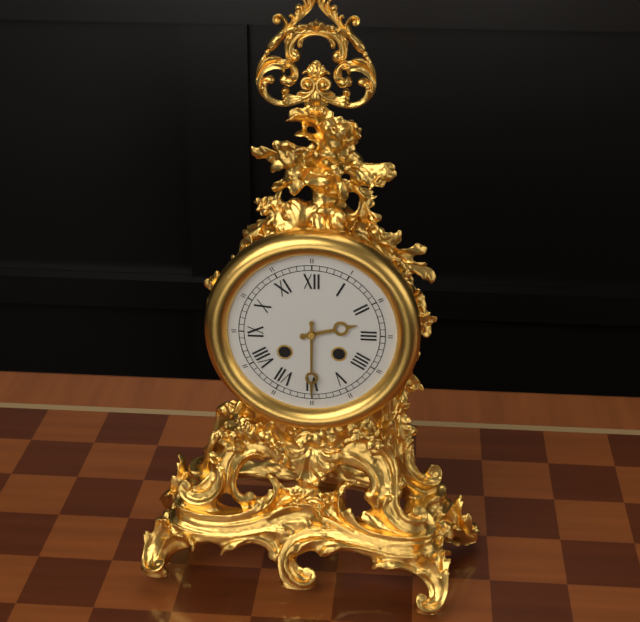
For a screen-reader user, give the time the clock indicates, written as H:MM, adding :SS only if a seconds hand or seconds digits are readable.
2:30
